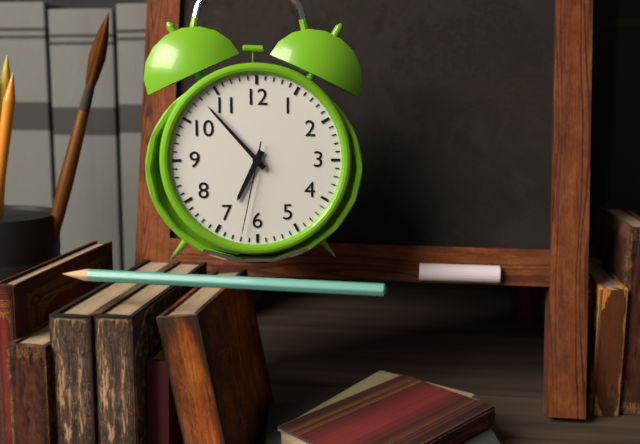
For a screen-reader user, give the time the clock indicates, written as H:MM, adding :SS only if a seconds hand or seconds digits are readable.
6:53:32
